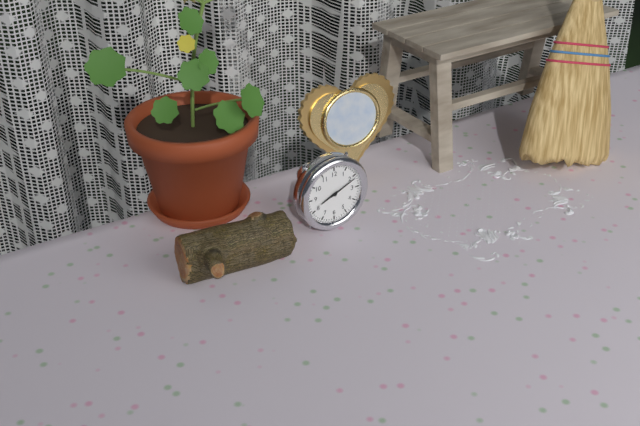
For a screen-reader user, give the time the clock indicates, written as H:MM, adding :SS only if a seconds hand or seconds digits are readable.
8:11
